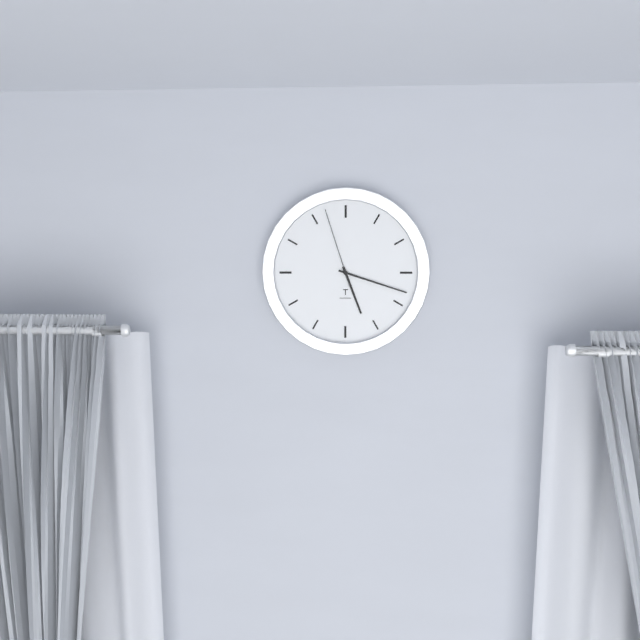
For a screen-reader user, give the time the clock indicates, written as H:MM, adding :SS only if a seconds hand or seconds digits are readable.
5:18:57
